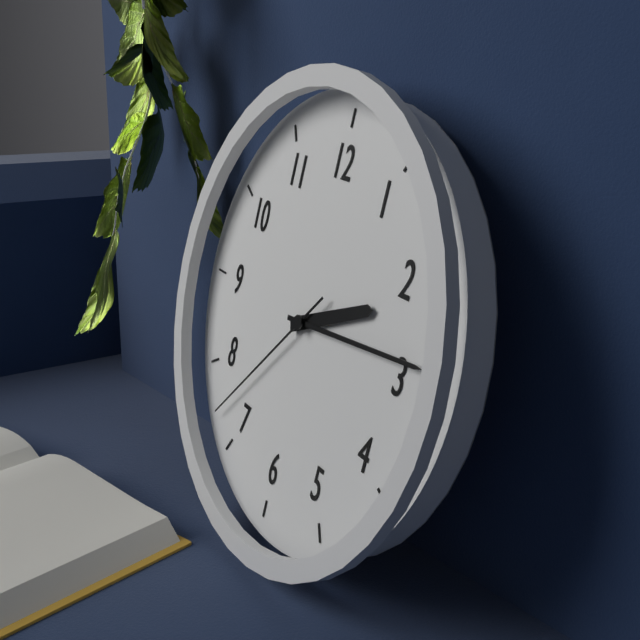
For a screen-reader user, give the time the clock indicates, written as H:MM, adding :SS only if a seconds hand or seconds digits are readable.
2:14:37
